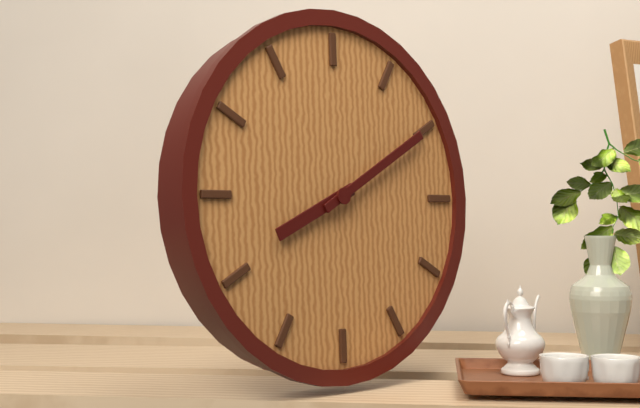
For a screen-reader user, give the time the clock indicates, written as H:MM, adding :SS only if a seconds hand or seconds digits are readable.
8:10
